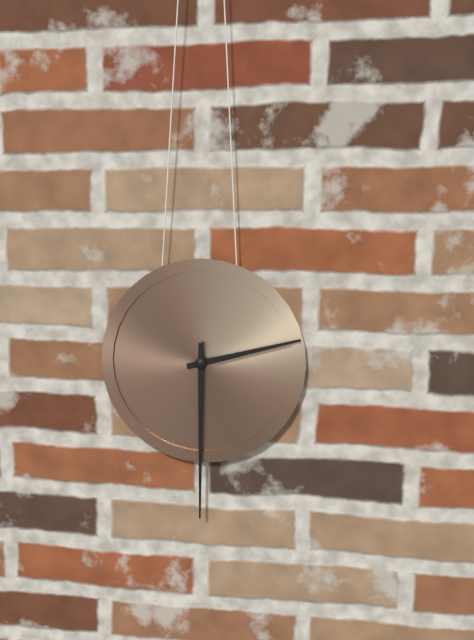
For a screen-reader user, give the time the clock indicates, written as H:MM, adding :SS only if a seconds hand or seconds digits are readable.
2:30
